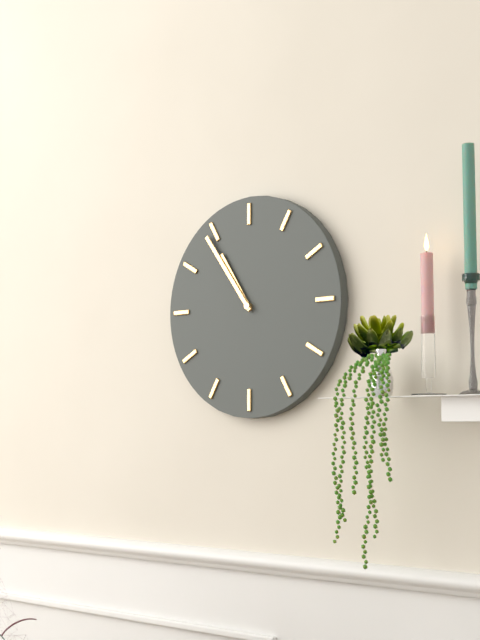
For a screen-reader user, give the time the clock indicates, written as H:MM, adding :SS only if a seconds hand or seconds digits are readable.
10:54
